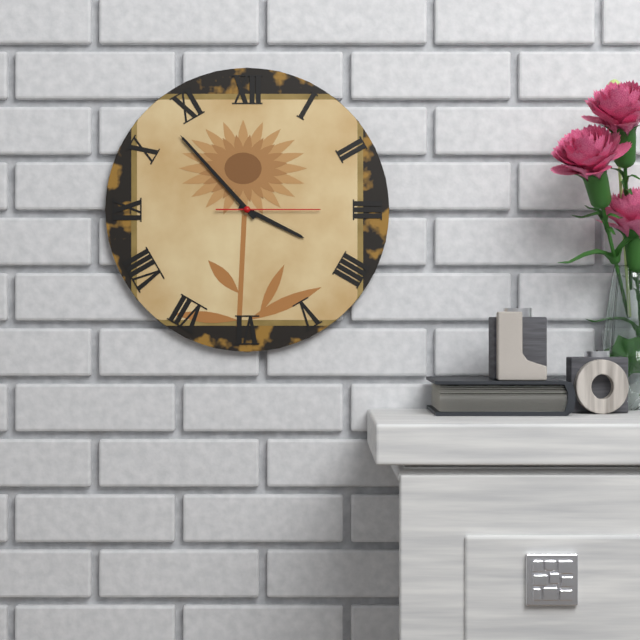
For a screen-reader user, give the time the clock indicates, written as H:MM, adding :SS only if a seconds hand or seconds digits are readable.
3:53:15
